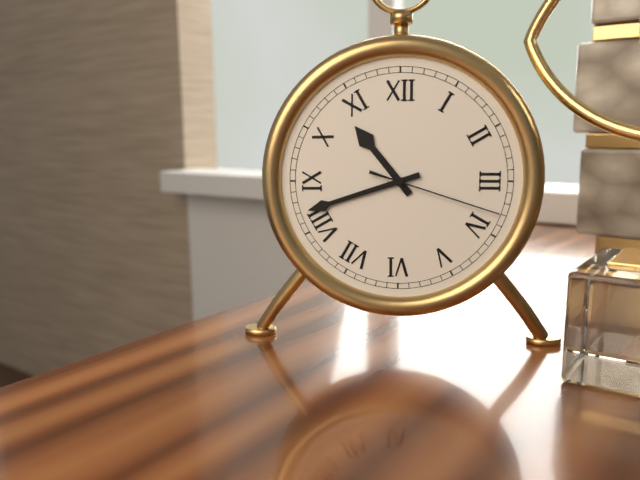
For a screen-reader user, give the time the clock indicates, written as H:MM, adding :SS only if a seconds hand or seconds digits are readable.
10:42:18
